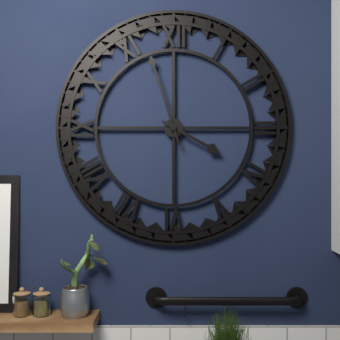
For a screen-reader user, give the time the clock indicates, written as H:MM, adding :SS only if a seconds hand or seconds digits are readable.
3:57
